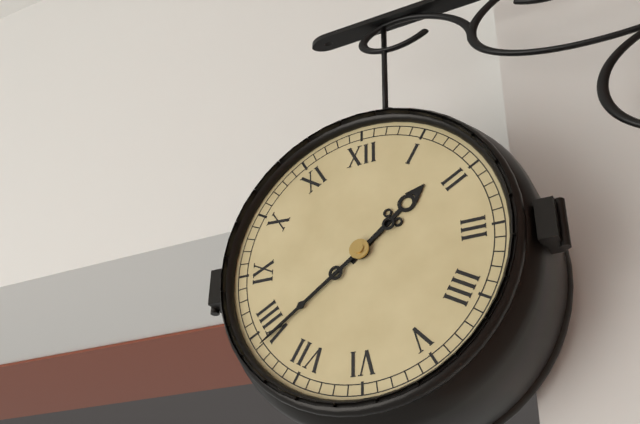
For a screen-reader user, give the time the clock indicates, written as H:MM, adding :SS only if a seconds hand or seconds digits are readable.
1:39
